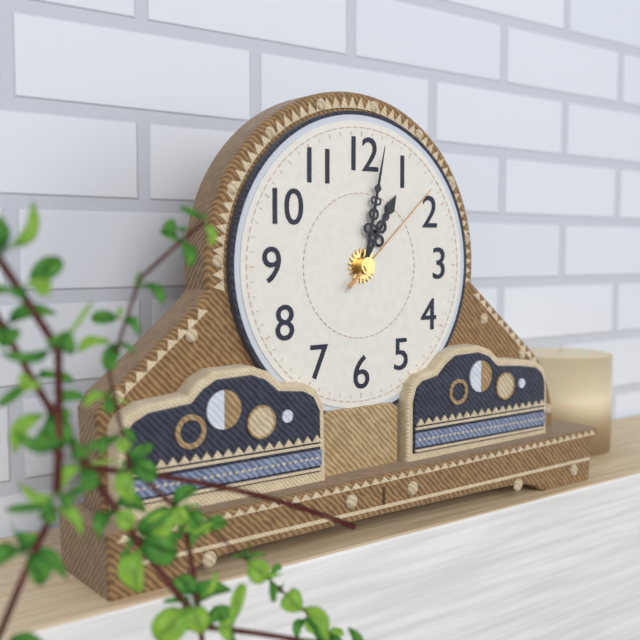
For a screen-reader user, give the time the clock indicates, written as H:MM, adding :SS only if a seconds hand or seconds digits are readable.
1:02:08
